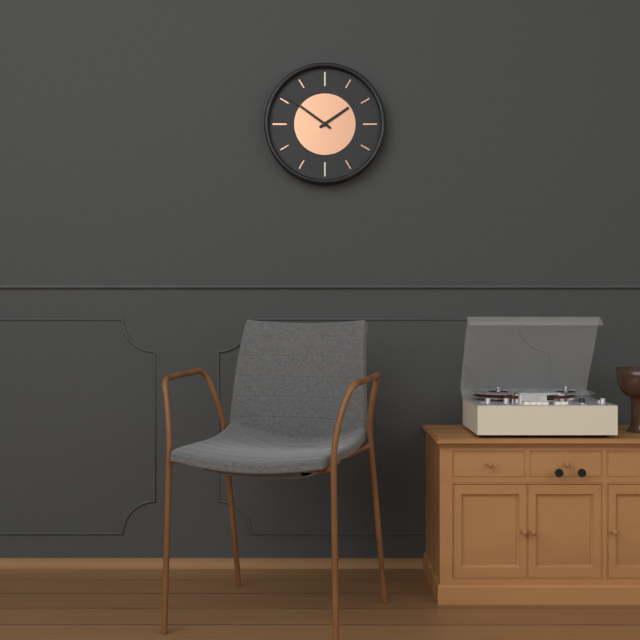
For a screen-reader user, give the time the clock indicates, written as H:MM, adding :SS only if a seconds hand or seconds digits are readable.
1:51
